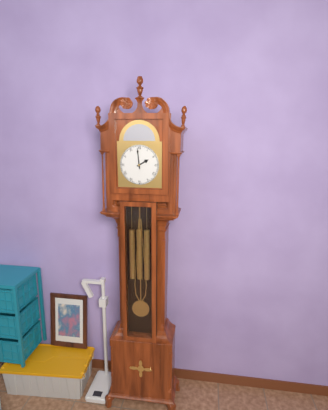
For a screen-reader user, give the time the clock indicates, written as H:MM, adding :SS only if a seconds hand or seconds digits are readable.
1:59
